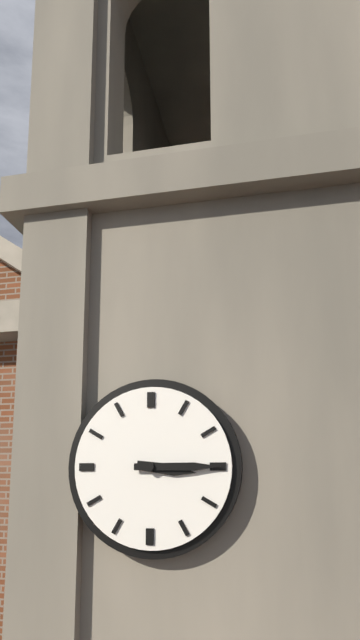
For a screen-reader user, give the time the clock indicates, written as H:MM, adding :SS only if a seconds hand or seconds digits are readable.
3:15
